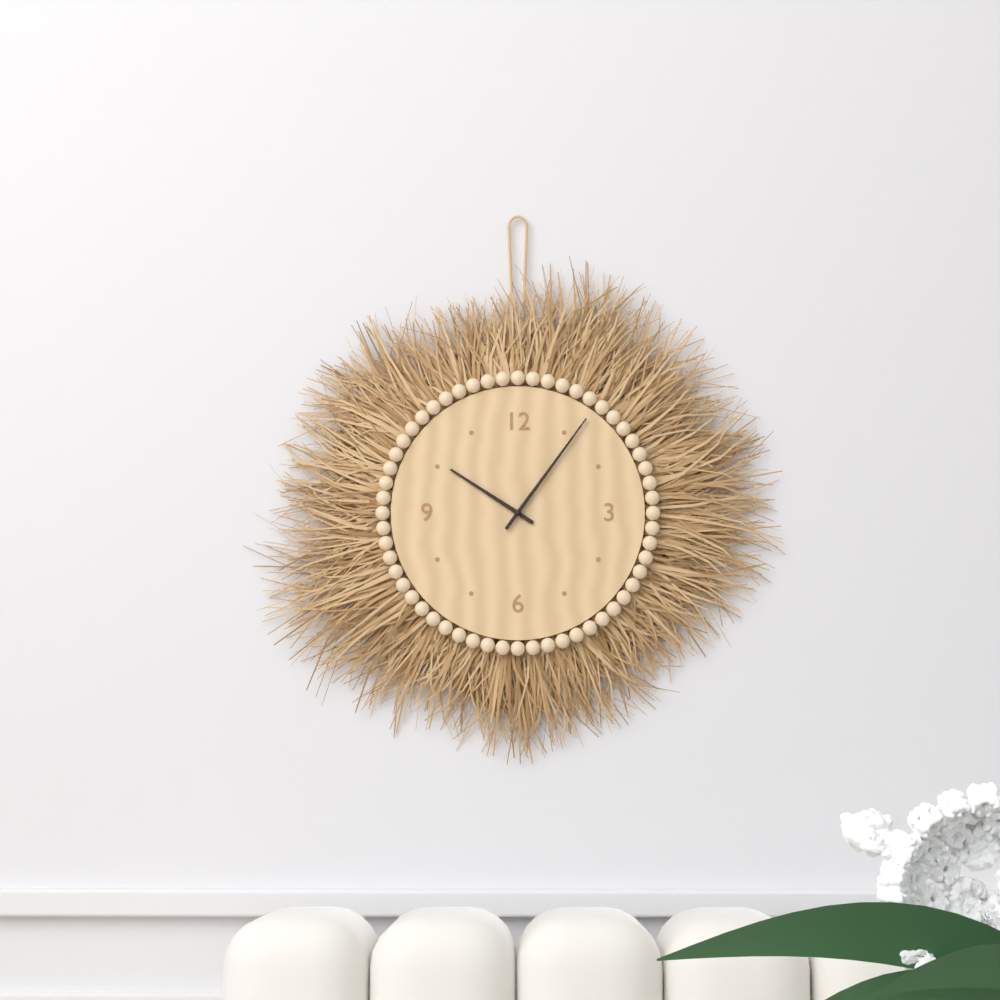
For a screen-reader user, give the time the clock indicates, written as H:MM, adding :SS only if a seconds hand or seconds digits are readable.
10:06
